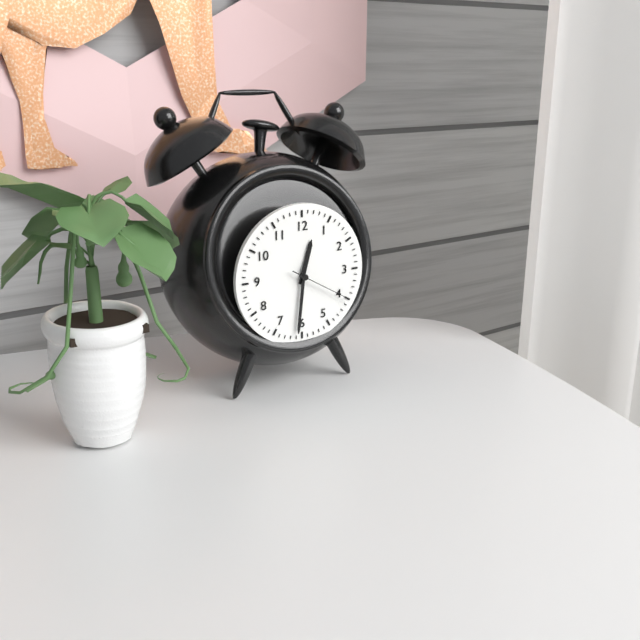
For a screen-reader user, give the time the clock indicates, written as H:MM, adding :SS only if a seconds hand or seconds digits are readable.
12:31:20
